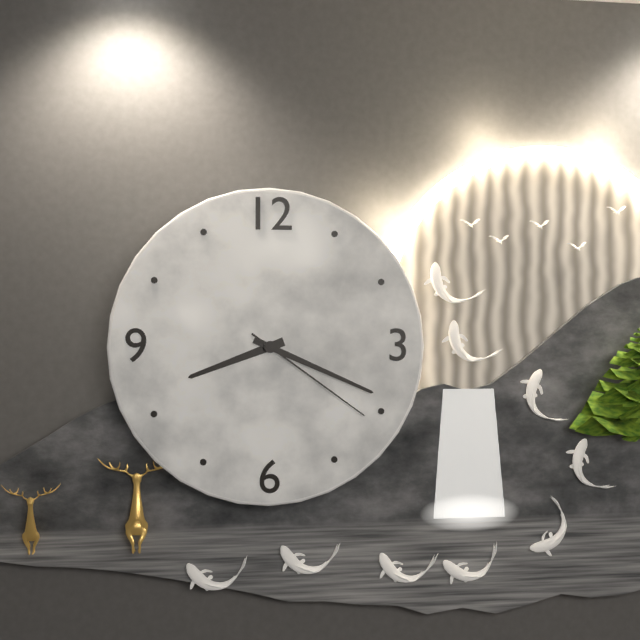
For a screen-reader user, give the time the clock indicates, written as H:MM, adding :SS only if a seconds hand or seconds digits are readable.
8:19:21
